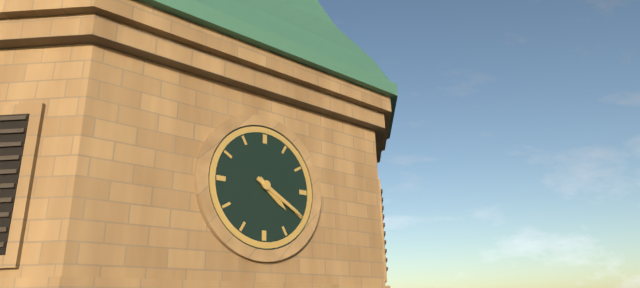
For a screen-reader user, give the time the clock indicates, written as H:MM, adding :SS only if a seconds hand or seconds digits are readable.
4:20
